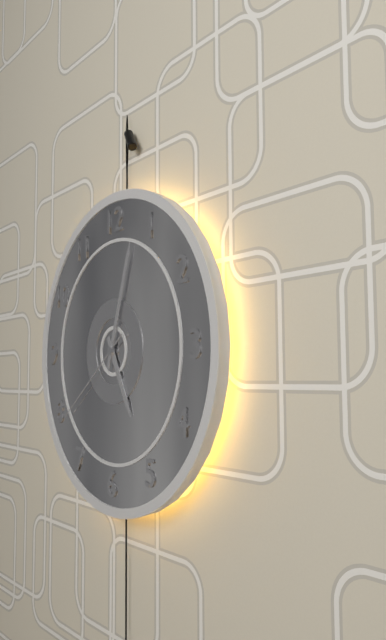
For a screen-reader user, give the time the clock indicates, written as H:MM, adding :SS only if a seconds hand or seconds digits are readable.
5:03:39
